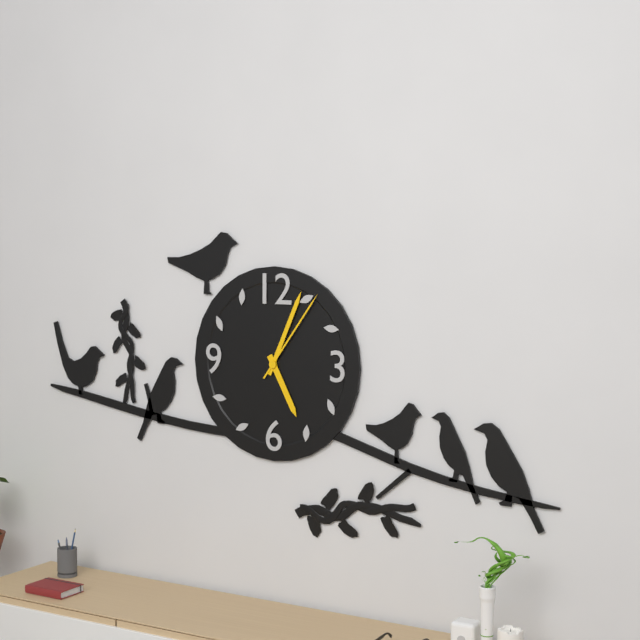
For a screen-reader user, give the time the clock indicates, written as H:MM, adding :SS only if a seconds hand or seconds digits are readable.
5:04:06
